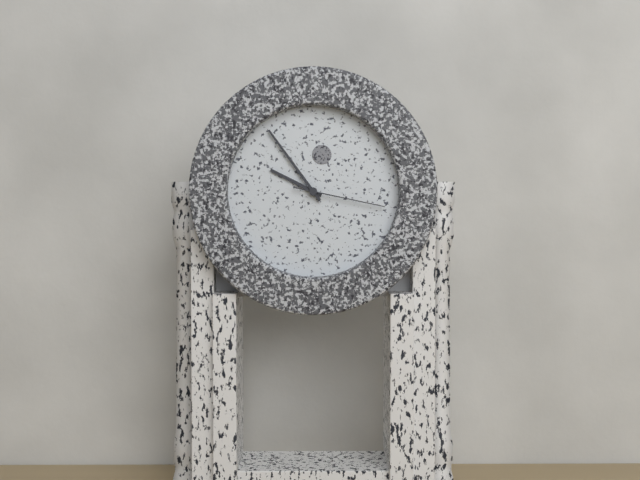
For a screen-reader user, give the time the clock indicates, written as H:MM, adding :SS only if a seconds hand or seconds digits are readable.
9:54:17
